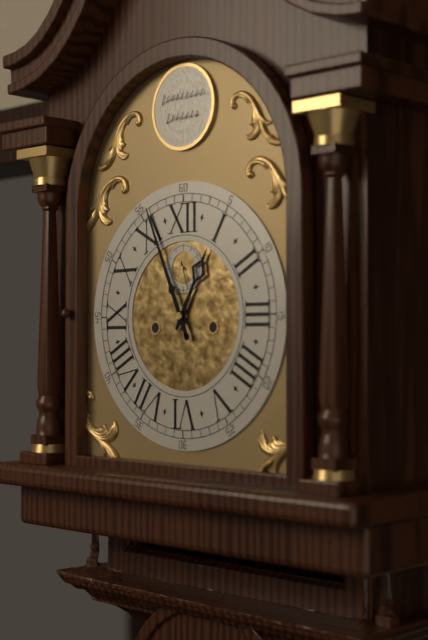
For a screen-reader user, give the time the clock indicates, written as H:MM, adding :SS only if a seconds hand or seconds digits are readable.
12:56:27
